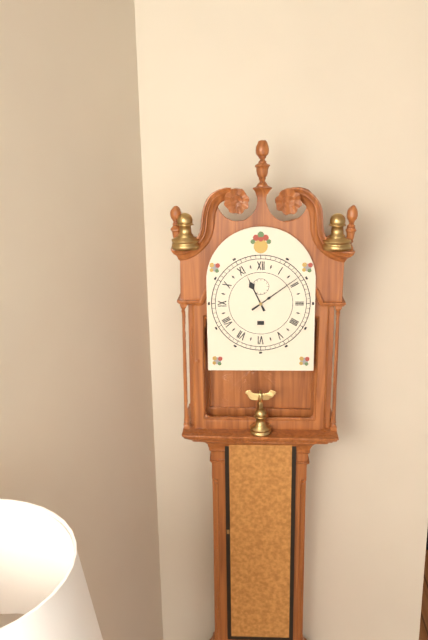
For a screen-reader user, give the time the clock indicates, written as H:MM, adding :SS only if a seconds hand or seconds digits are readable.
11:09
